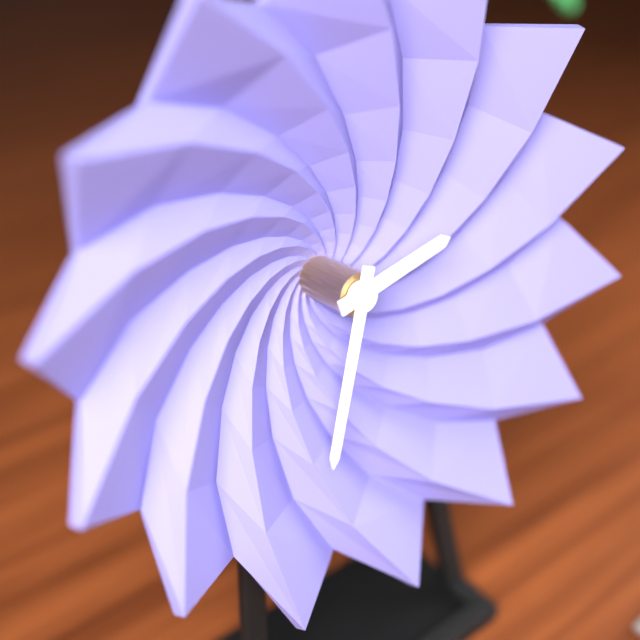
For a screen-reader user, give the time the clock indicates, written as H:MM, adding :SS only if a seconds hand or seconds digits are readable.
2:33
